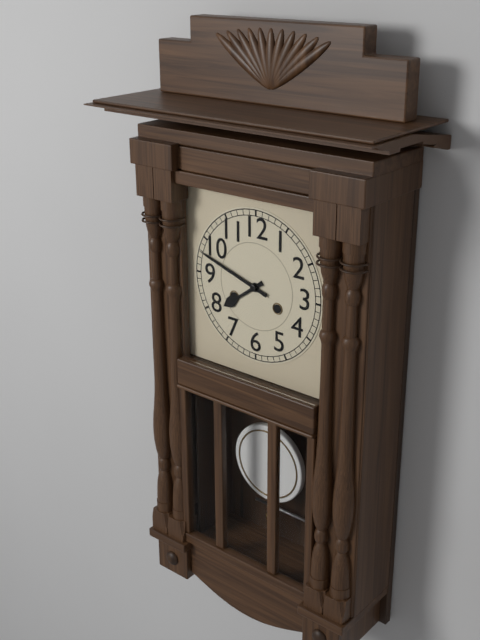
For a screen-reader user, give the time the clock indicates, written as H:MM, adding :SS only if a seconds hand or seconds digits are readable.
7:48
